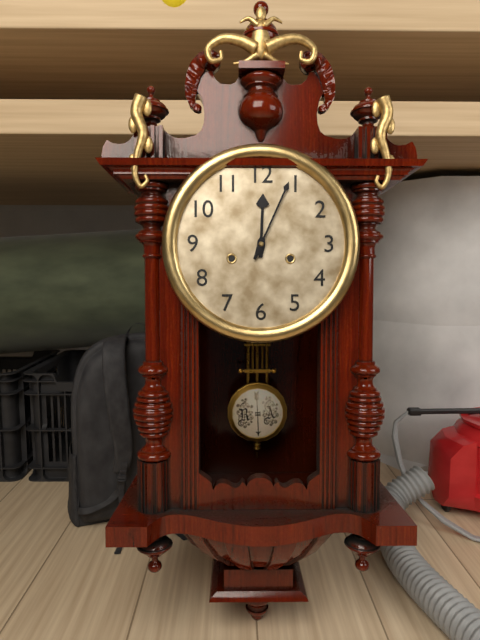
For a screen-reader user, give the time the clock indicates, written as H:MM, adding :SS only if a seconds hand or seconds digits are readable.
12:04
